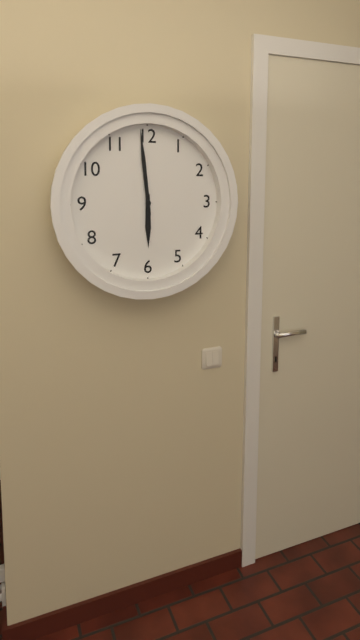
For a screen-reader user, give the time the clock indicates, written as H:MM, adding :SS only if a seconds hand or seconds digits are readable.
5:59
